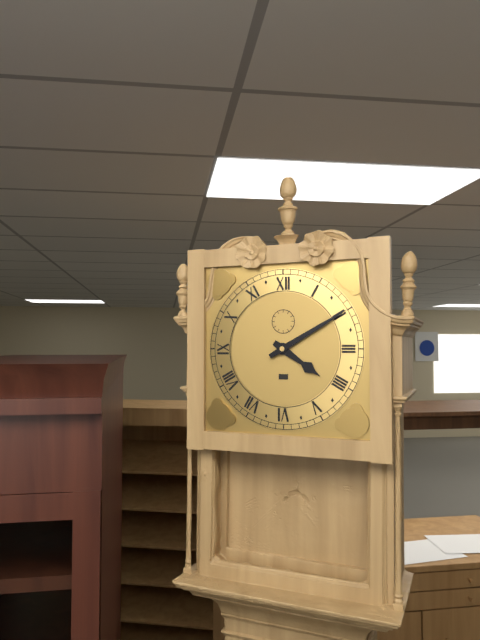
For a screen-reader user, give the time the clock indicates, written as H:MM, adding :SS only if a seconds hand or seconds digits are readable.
4:10
